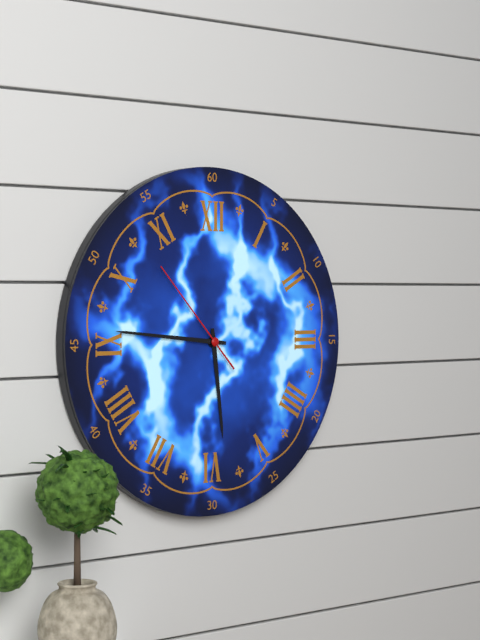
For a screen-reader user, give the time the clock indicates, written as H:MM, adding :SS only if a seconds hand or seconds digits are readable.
5:46:53
